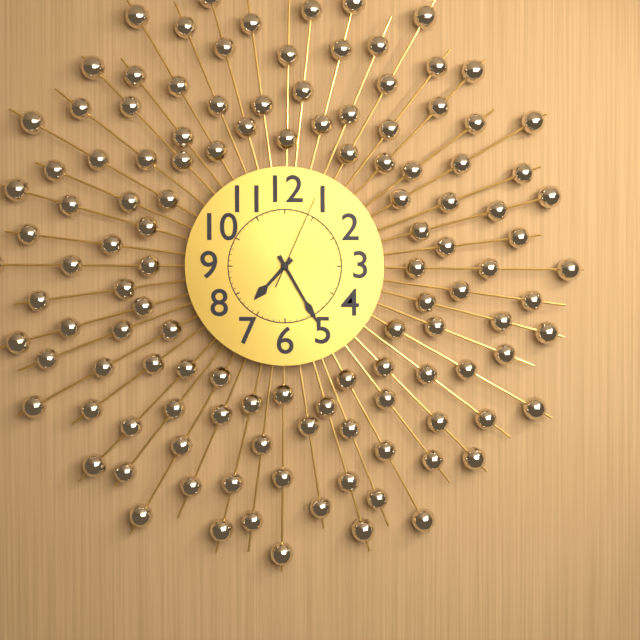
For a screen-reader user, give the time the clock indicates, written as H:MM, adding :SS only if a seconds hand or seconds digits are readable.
7:25:04
